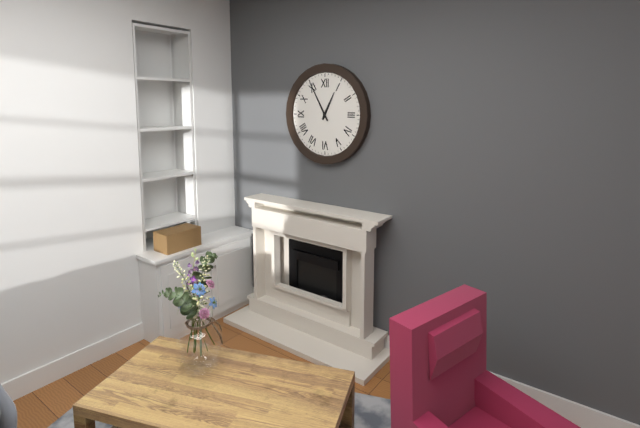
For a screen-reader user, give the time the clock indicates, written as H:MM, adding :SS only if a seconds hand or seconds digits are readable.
12:55
